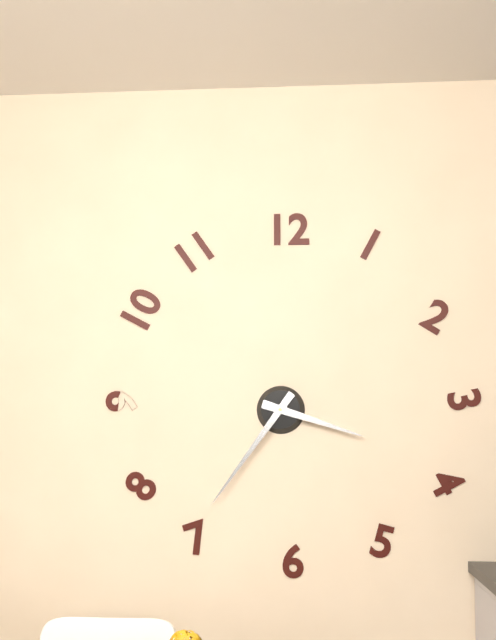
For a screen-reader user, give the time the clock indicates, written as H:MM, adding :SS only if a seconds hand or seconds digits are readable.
3:36
